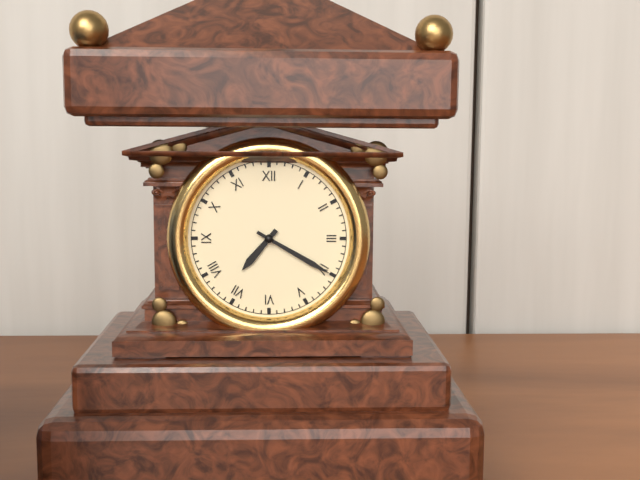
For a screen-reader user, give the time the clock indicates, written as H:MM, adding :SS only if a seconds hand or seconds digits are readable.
7:20
